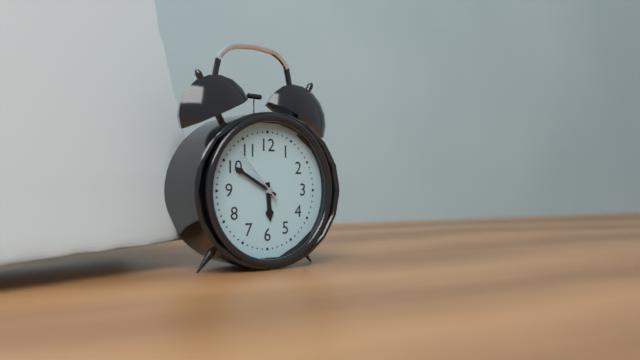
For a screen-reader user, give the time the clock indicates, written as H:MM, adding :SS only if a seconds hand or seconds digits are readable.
5:50:53
